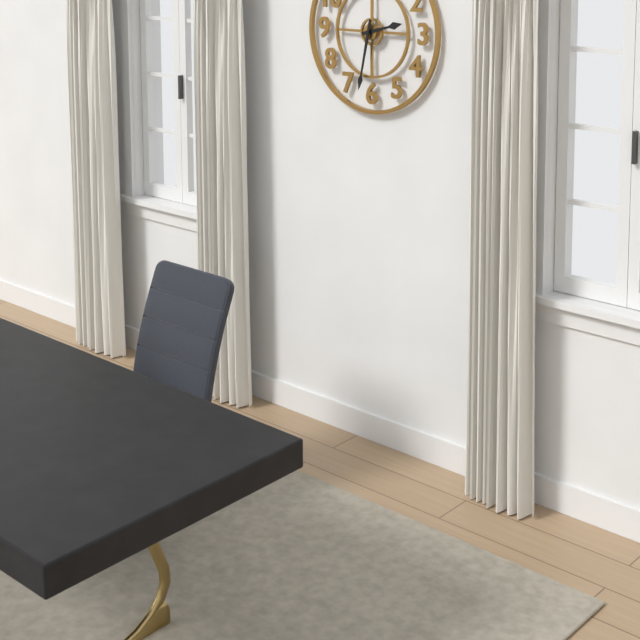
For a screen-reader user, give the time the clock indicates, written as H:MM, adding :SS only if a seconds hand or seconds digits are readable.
2:32
